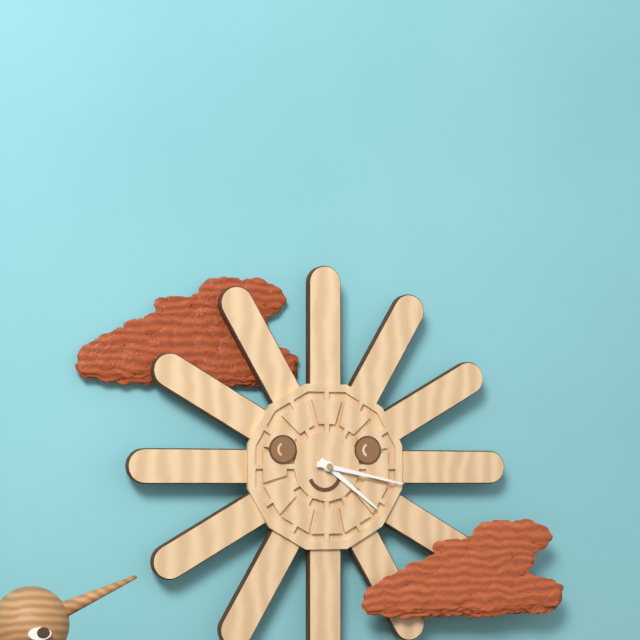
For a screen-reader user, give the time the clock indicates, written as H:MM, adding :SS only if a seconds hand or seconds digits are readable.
4:17
